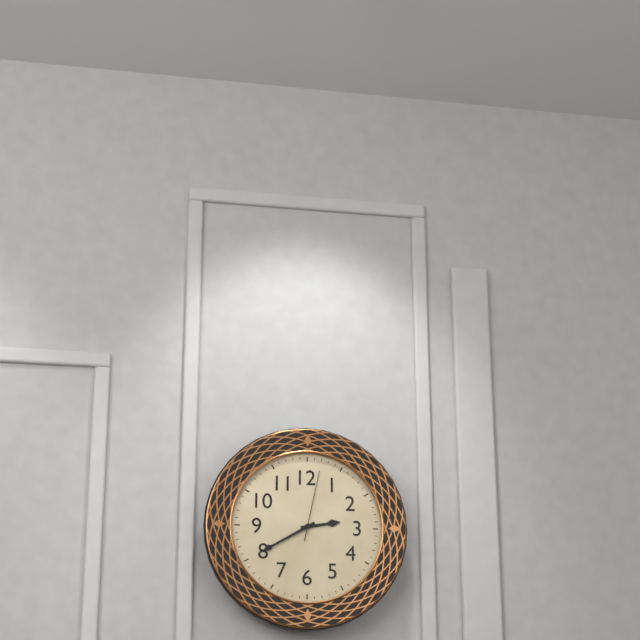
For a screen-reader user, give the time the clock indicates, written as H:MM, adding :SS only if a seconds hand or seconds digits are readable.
2:40:02
